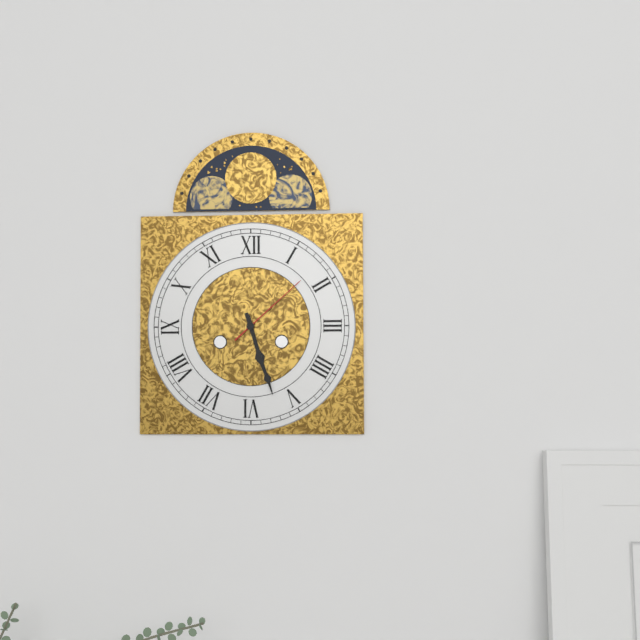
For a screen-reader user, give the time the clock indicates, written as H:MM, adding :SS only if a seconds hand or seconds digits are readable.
5:27:08
